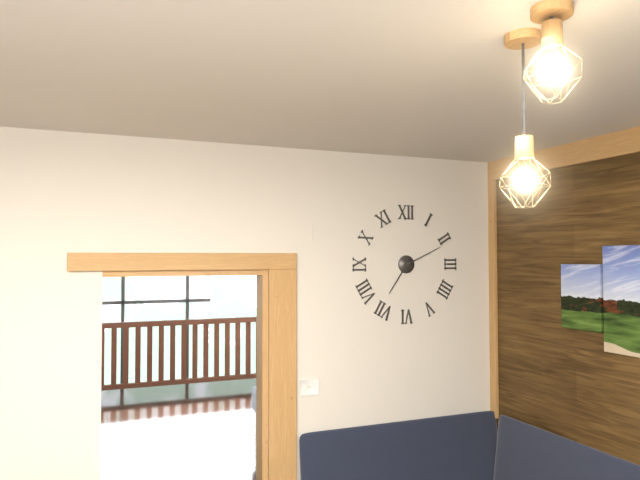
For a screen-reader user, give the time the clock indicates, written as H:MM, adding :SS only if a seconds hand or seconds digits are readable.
7:11
